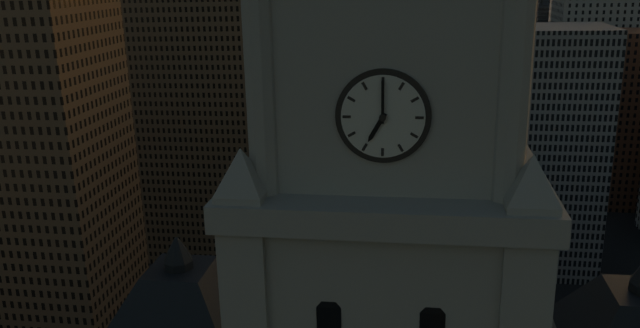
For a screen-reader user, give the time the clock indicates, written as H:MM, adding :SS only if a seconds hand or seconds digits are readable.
7:00
